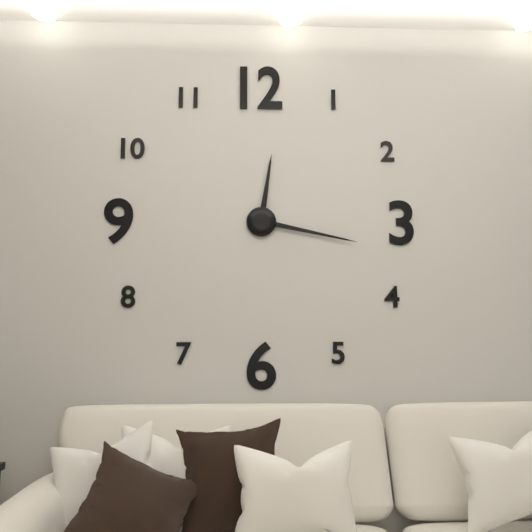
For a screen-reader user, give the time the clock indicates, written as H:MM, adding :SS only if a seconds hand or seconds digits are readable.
12:17
